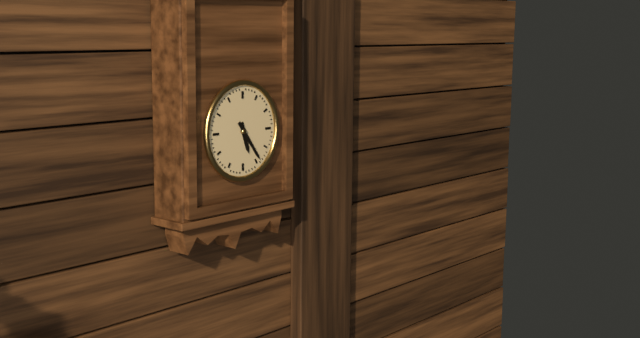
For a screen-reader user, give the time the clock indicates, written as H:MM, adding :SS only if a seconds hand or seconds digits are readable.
5:24
